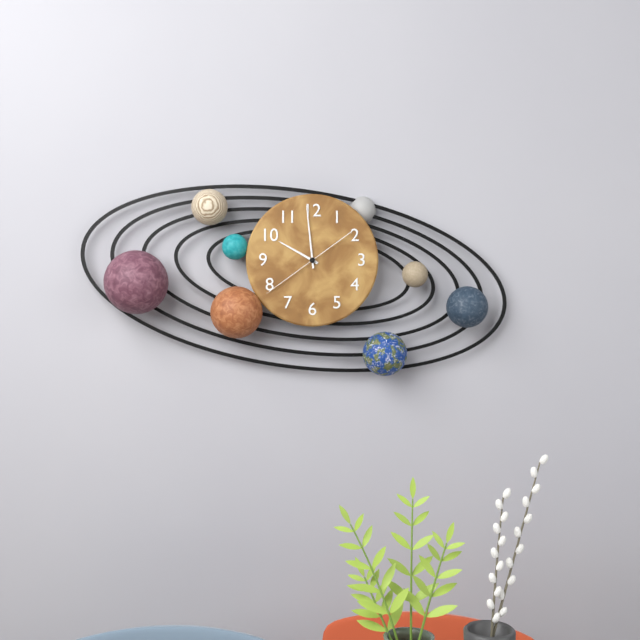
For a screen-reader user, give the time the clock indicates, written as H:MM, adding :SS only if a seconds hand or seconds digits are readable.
9:59:39
